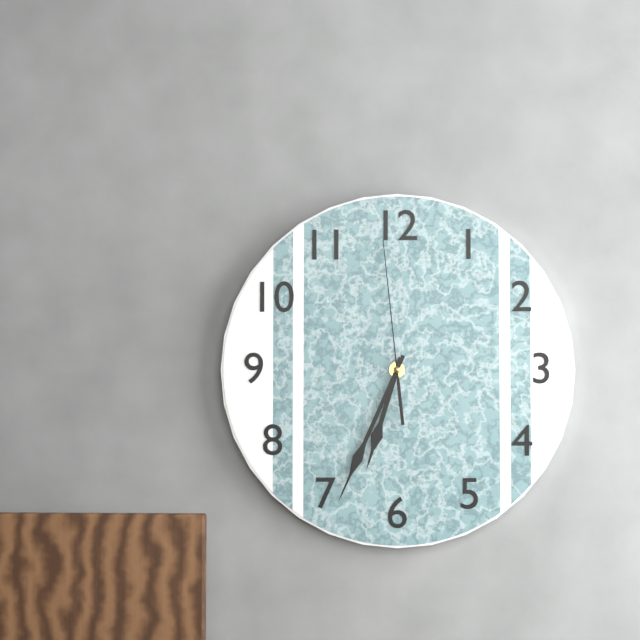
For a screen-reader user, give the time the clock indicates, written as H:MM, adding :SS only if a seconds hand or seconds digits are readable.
6:34:59
